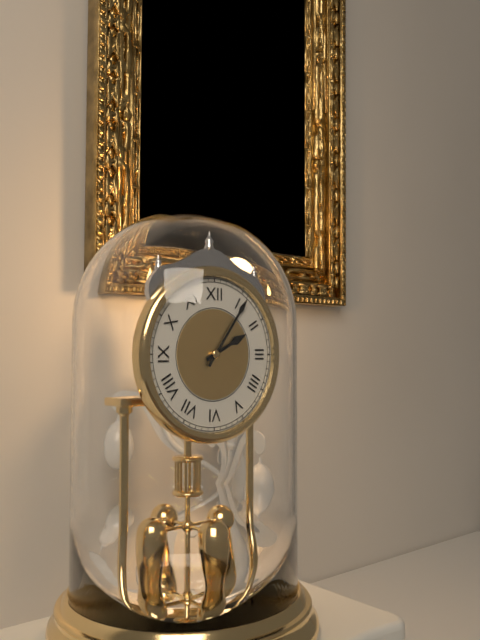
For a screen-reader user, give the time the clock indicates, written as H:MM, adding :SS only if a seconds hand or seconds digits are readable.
2:06
